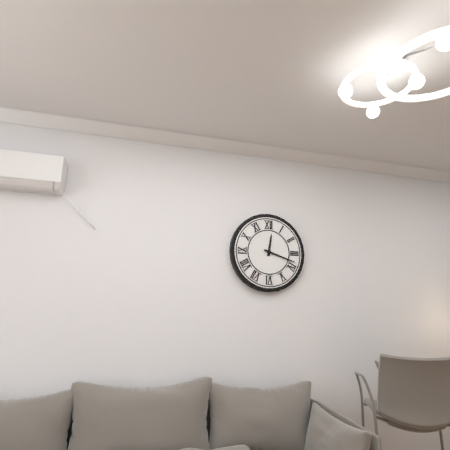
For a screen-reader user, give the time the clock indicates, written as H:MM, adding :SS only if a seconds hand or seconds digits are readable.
12:18
